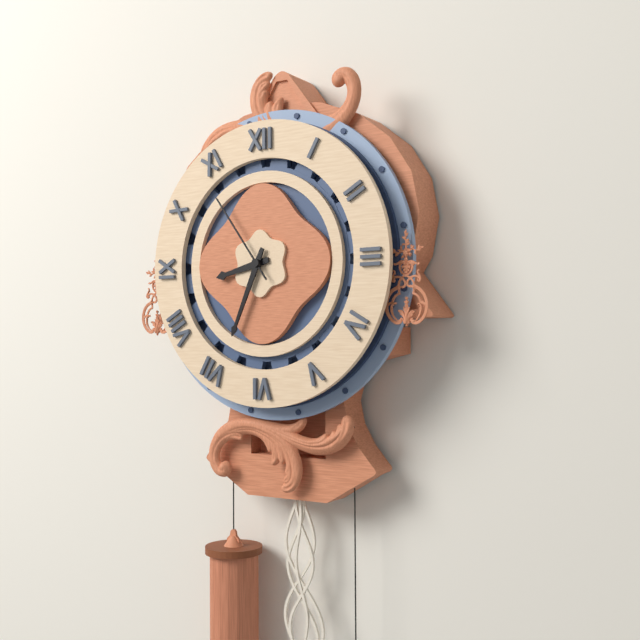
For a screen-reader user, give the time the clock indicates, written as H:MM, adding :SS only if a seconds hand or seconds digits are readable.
8:34:54
